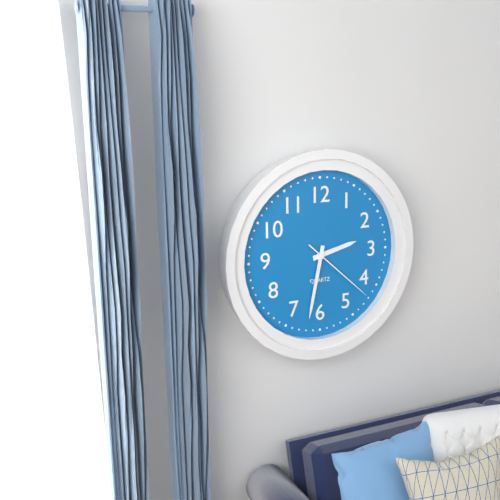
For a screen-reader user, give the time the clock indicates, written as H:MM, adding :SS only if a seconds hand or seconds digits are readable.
2:32:22
